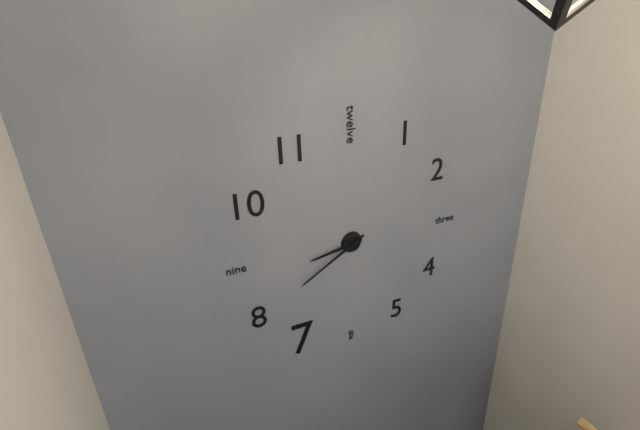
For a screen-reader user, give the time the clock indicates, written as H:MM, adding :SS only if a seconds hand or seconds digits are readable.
8:40
